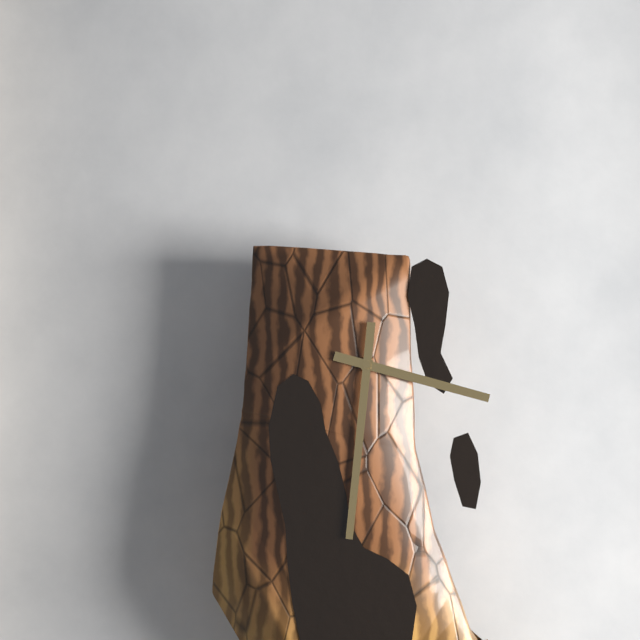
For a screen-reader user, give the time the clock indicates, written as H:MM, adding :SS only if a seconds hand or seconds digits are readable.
3:31
